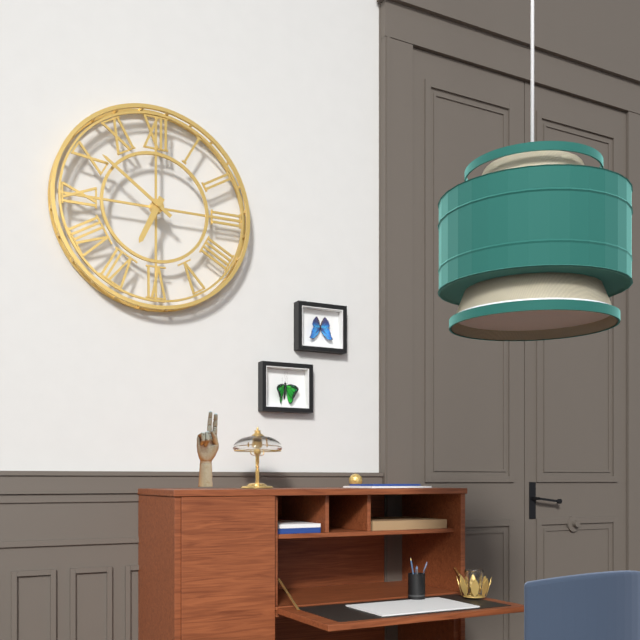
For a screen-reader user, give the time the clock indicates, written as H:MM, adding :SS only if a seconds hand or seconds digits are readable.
6:51
